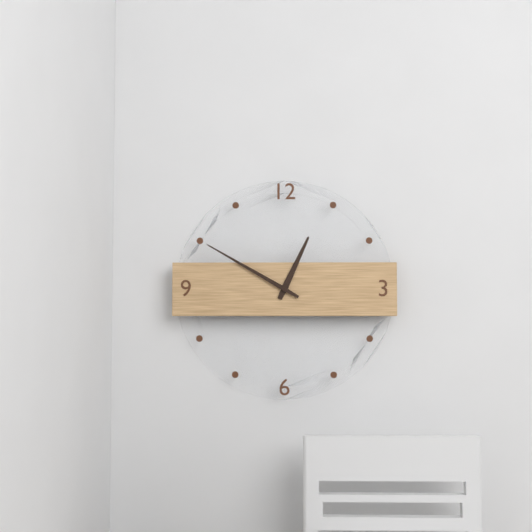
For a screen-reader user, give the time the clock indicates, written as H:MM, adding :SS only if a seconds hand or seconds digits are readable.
12:50
